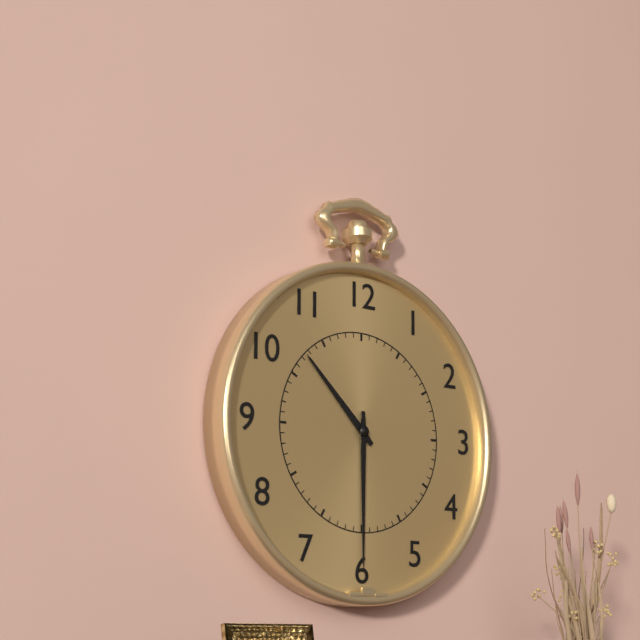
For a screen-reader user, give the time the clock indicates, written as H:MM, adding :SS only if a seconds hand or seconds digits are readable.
10:30
